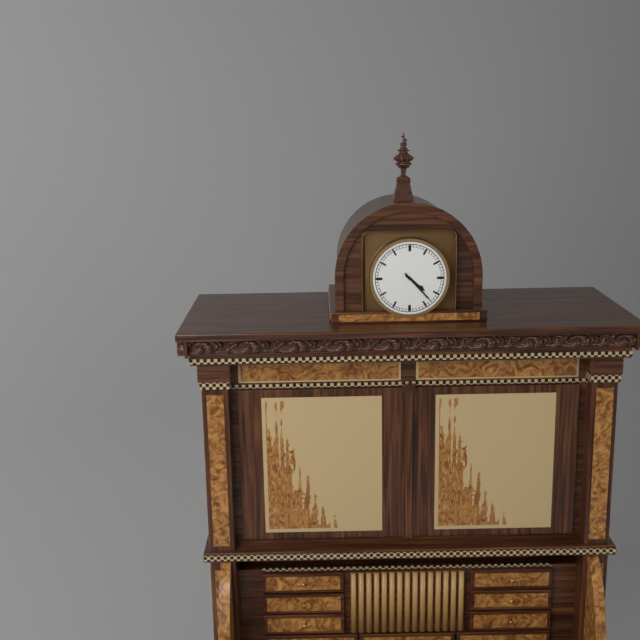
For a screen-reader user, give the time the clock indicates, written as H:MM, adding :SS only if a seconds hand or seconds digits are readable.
4:23
